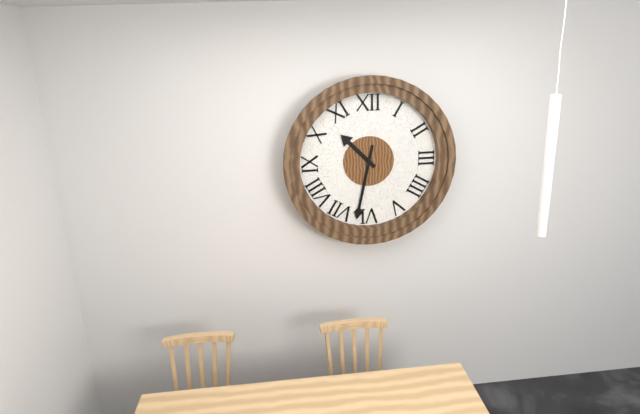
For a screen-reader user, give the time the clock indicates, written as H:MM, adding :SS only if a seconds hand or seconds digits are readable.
10:32
